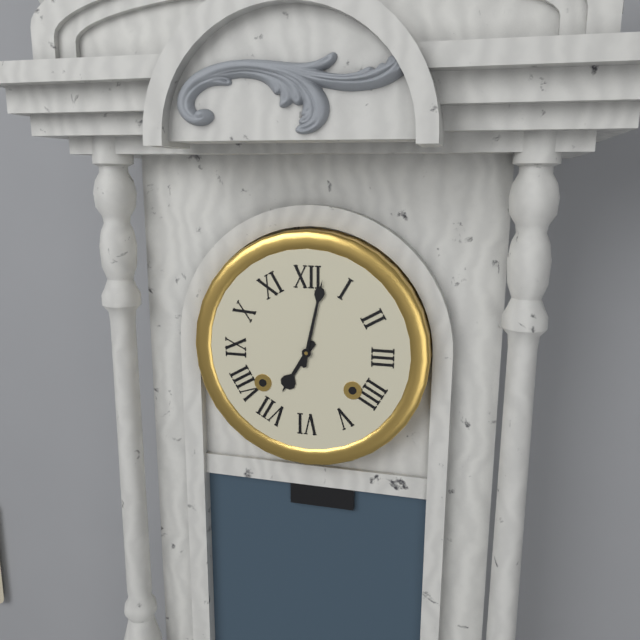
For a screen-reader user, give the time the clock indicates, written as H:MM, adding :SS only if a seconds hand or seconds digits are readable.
7:02
